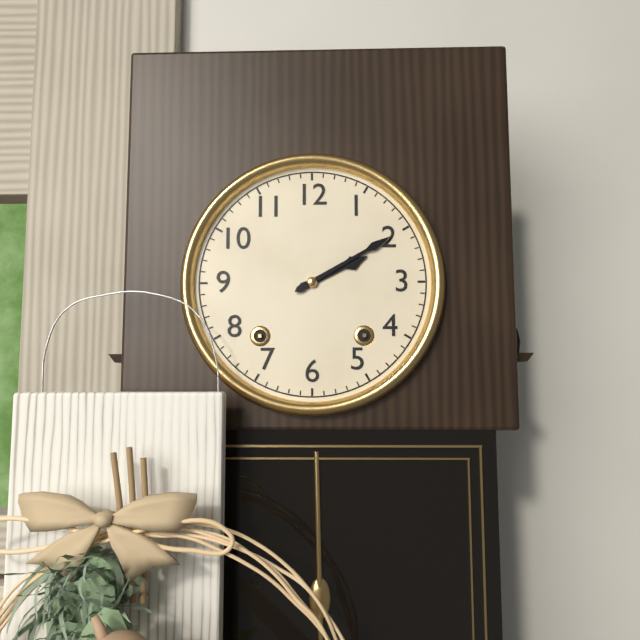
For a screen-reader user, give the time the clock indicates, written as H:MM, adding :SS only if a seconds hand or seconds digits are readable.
2:10
